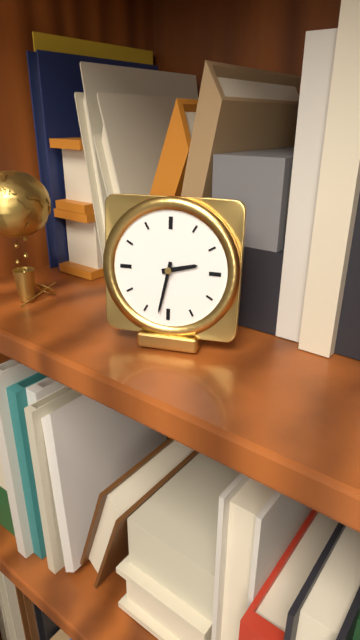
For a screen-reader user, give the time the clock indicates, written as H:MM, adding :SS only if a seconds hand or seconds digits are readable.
2:32
